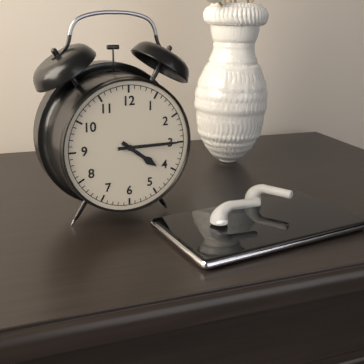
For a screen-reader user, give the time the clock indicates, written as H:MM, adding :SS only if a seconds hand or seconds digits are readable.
4:15
